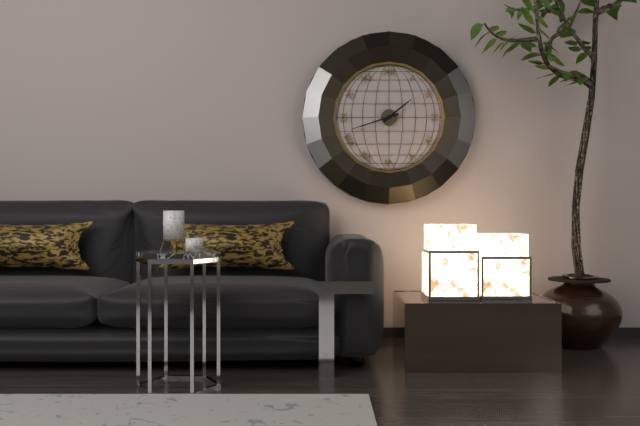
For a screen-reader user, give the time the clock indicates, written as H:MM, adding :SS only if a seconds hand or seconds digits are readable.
1:42
